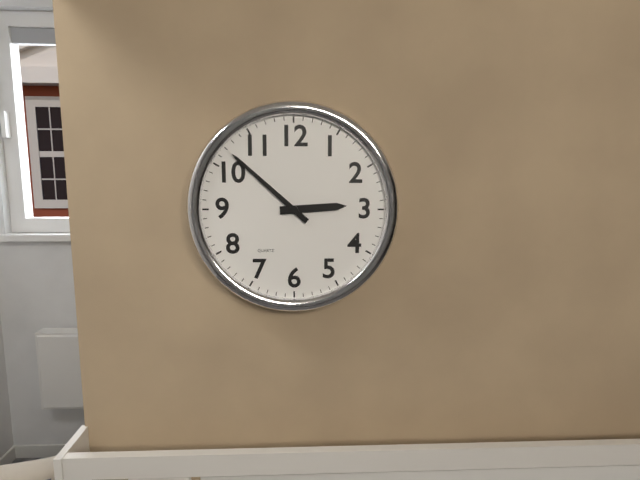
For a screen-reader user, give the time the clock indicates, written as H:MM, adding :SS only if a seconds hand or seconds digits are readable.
2:52
